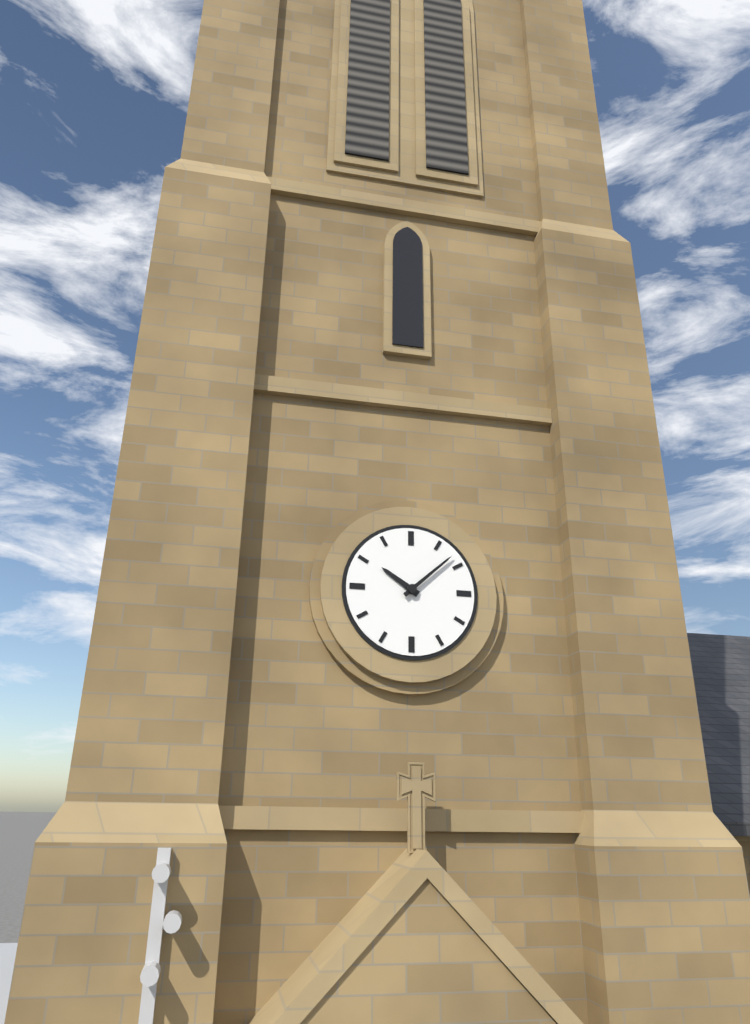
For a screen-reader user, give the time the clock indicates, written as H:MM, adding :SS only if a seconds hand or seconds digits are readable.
10:08
